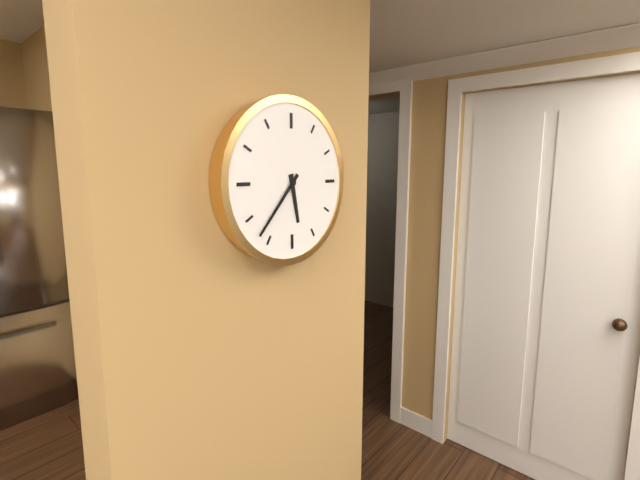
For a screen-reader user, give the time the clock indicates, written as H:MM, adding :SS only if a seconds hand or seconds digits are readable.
5:37
